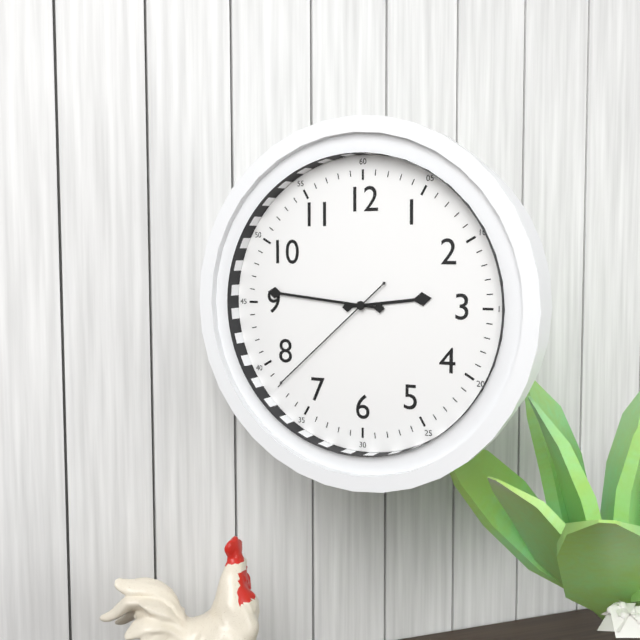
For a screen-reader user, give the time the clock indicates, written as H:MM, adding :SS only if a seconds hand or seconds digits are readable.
2:46:38
